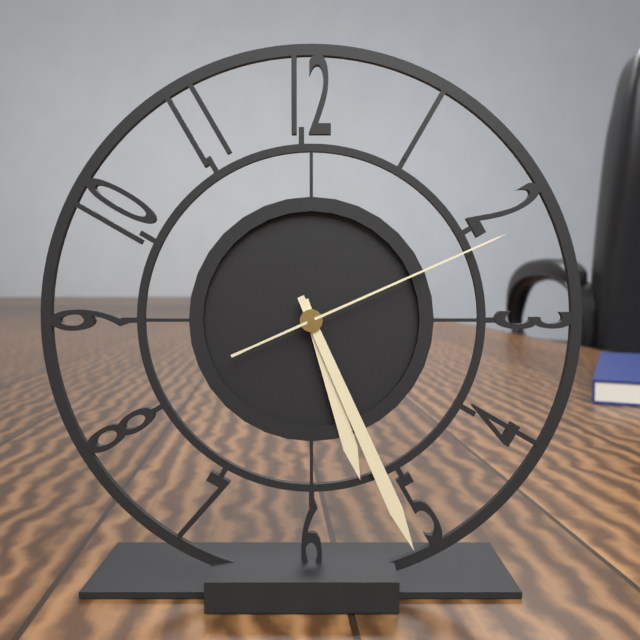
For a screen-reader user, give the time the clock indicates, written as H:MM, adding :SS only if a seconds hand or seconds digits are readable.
5:26:11
